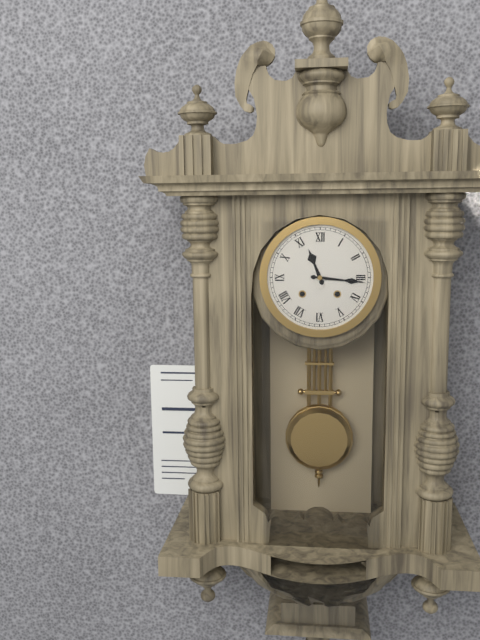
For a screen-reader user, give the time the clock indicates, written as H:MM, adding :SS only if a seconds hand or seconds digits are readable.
11:16
